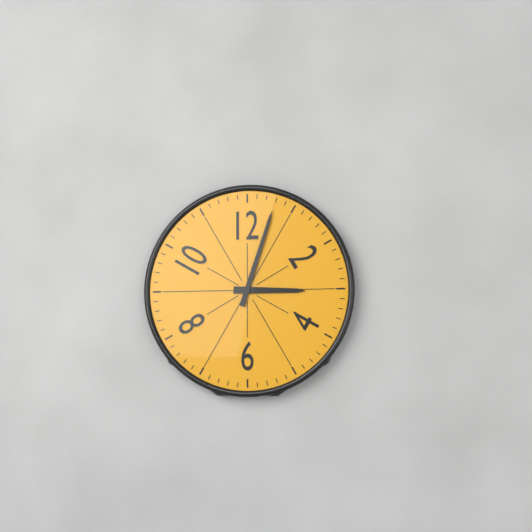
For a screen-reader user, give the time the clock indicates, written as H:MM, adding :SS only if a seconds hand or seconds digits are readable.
3:03
